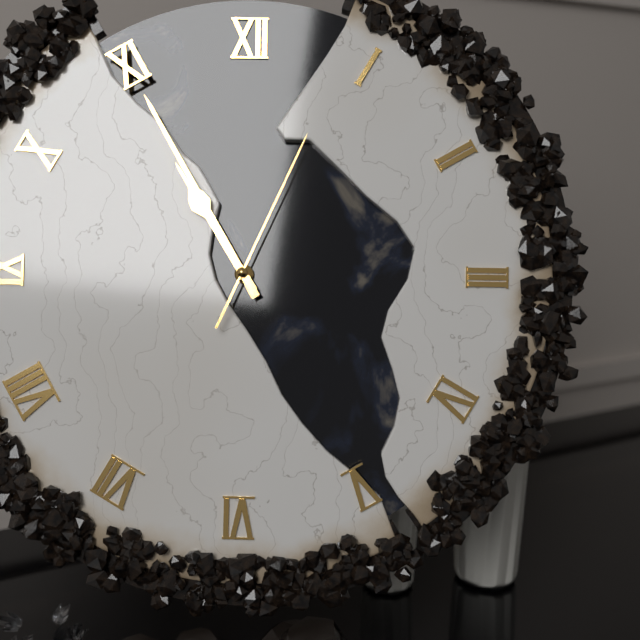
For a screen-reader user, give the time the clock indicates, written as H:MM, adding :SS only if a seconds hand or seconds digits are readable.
10:55:04
